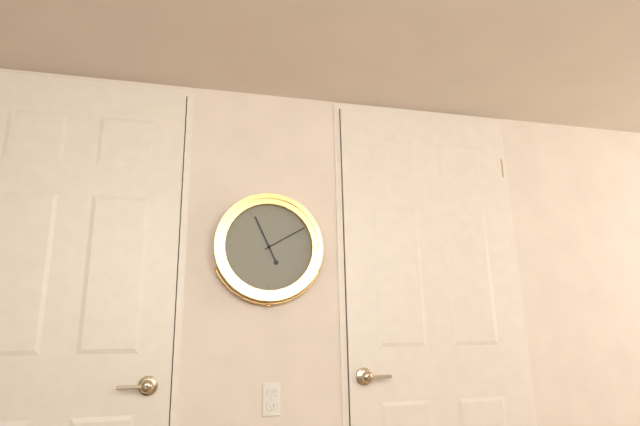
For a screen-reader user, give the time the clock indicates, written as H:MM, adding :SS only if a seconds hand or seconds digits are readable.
11:10
